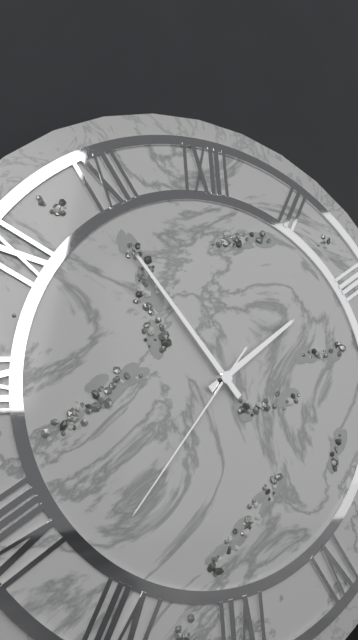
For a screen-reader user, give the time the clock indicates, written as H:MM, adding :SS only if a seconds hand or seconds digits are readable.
1:54:37
